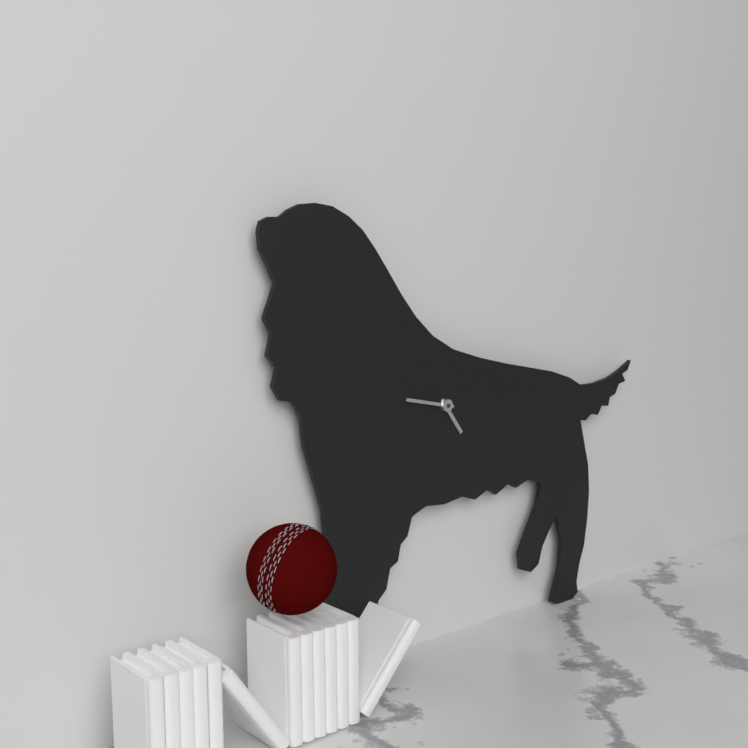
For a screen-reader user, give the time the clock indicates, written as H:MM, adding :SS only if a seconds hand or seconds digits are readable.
4:47
